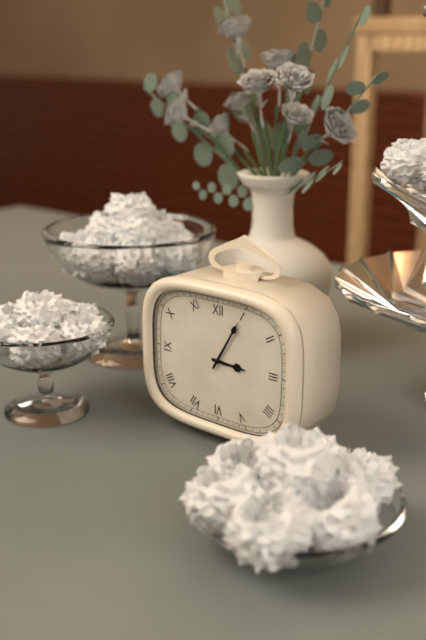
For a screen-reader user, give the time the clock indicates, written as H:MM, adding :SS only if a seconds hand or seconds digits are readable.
3:05
